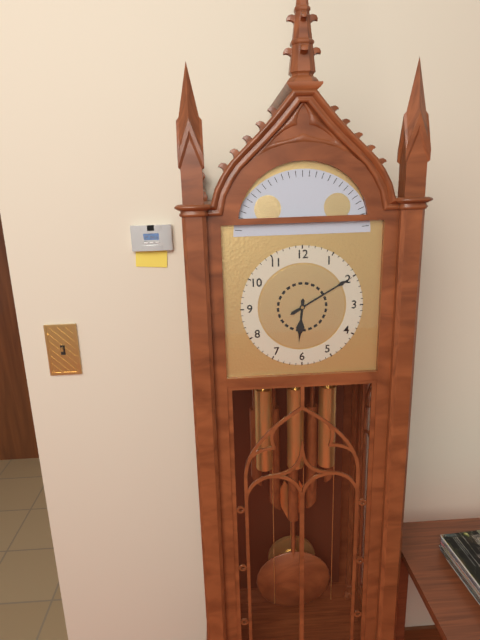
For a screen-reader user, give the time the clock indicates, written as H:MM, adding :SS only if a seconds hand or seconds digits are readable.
6:10
